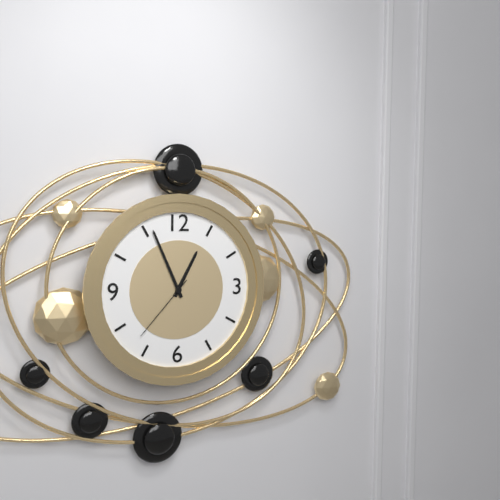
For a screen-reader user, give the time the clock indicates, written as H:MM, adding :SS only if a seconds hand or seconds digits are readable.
12:56:37
